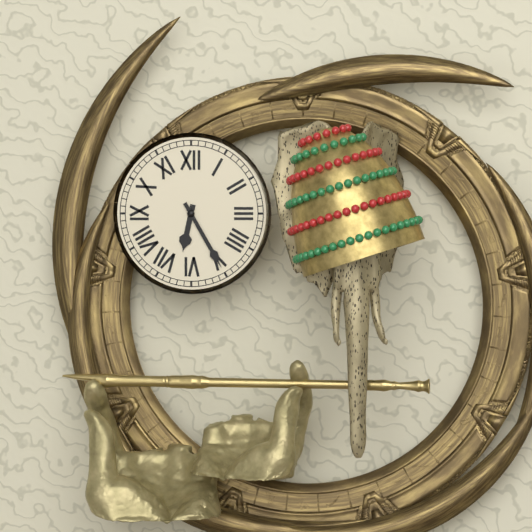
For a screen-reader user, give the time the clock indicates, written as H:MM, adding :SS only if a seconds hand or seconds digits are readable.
6:25
